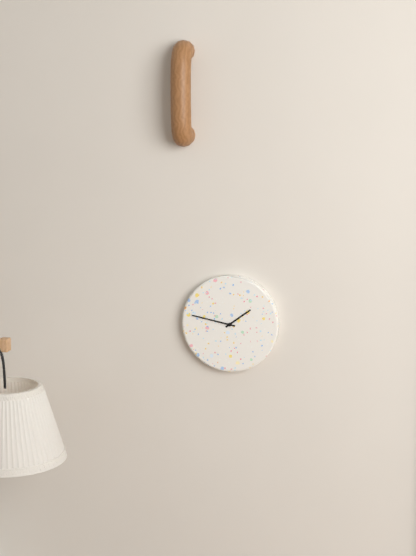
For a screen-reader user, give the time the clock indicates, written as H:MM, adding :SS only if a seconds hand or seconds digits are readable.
1:47
